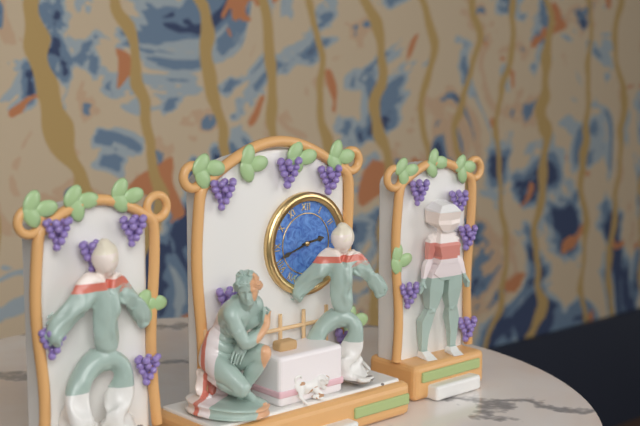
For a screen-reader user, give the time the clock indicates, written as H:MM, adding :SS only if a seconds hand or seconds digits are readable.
2:42
